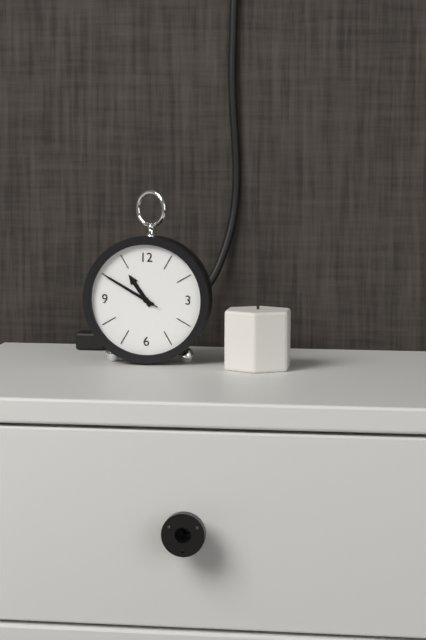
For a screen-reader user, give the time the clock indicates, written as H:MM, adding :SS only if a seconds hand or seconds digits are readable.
10:50:50
